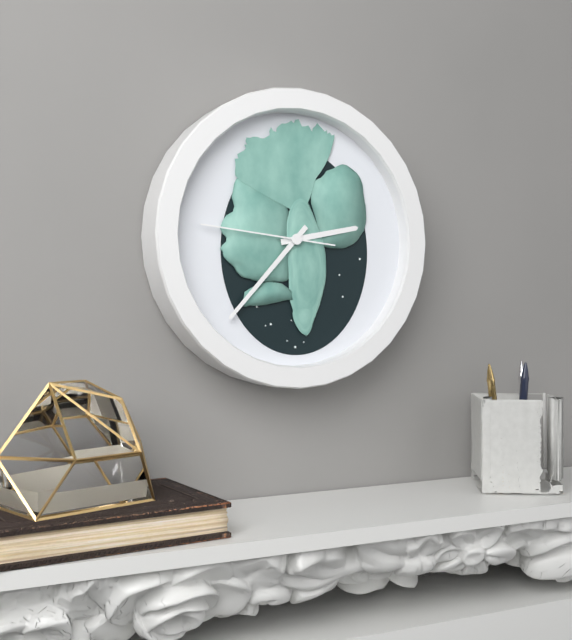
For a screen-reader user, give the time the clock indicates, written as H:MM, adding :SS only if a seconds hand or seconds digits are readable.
2:37:46
